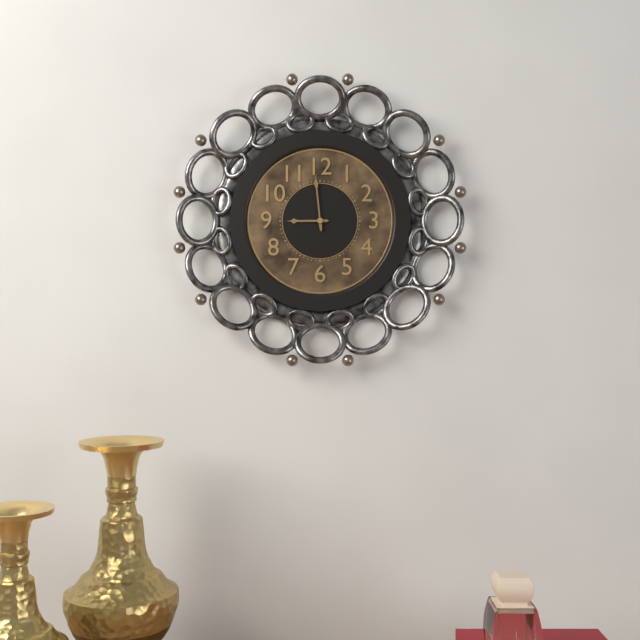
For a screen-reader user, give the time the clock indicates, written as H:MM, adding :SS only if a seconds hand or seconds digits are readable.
8:59
